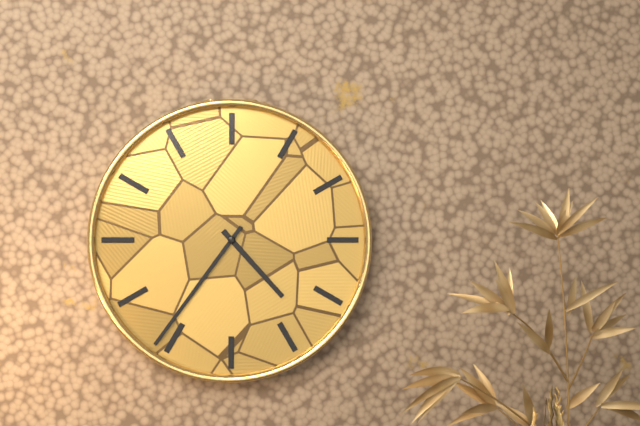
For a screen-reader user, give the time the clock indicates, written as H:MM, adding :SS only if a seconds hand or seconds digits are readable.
4:36
